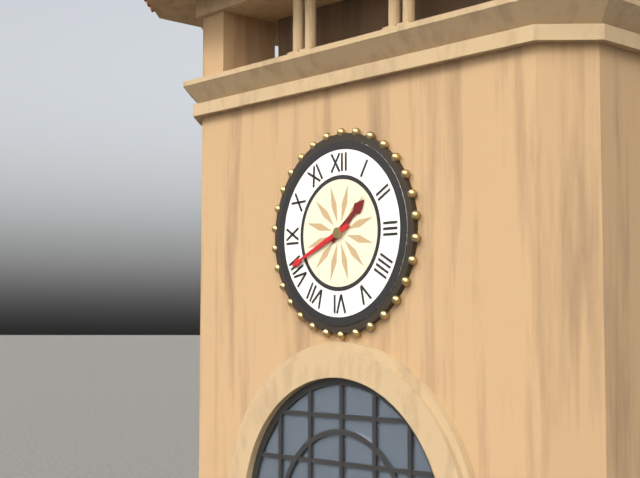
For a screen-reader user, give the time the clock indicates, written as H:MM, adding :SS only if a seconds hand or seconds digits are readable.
1:41
